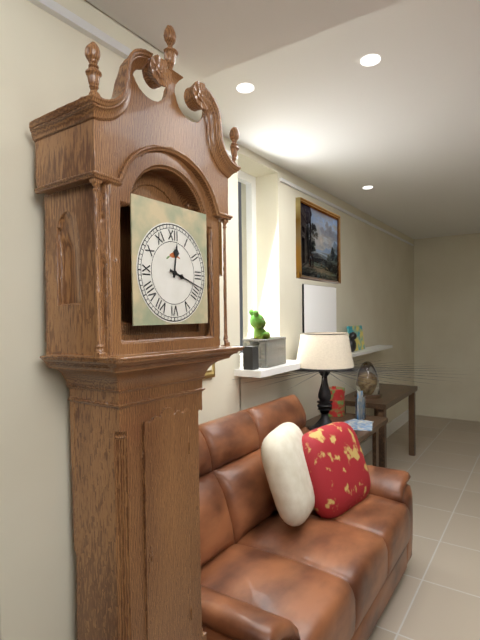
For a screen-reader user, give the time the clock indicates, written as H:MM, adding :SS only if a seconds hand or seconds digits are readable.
12:18
